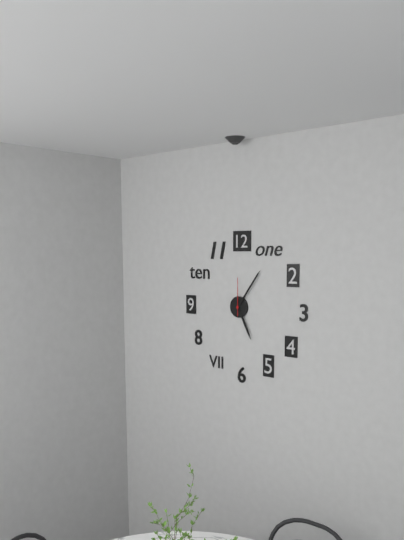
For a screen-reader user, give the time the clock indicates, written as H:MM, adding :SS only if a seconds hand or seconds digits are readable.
5:06
